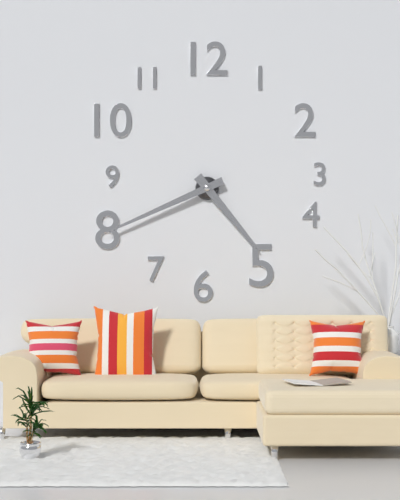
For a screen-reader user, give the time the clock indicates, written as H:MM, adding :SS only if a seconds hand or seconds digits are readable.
4:41
